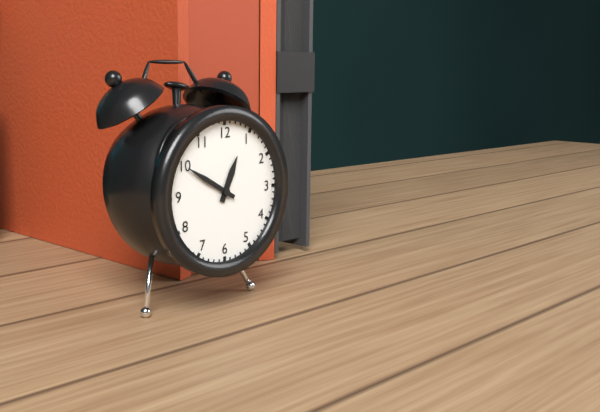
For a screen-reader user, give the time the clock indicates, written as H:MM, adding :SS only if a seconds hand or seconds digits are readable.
12:50
